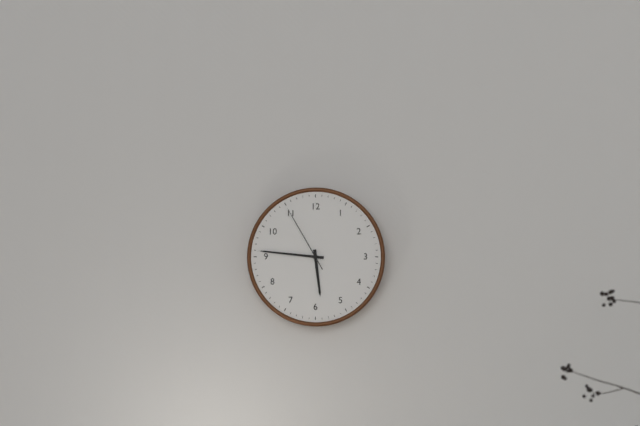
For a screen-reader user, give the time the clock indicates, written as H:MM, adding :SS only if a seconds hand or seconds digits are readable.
5:46:55
